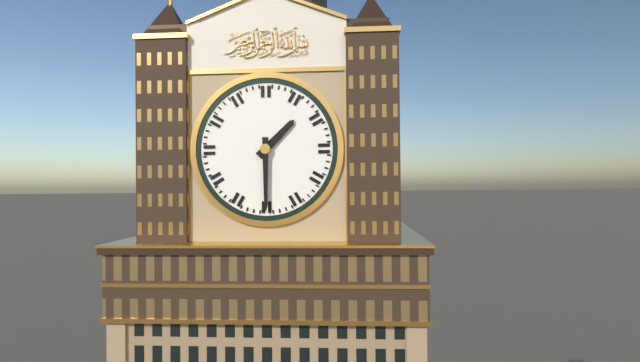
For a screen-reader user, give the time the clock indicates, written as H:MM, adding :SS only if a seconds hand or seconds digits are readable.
1:30
